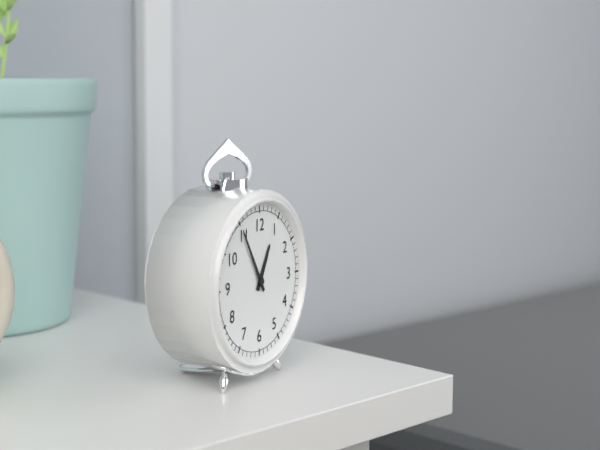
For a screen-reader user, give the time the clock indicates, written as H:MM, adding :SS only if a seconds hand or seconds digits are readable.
12:55
